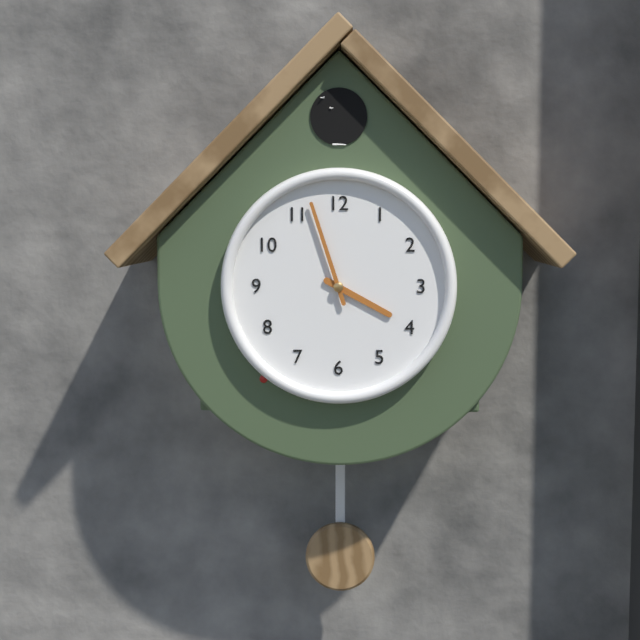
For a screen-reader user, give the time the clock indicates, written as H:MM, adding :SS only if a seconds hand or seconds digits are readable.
3:57
